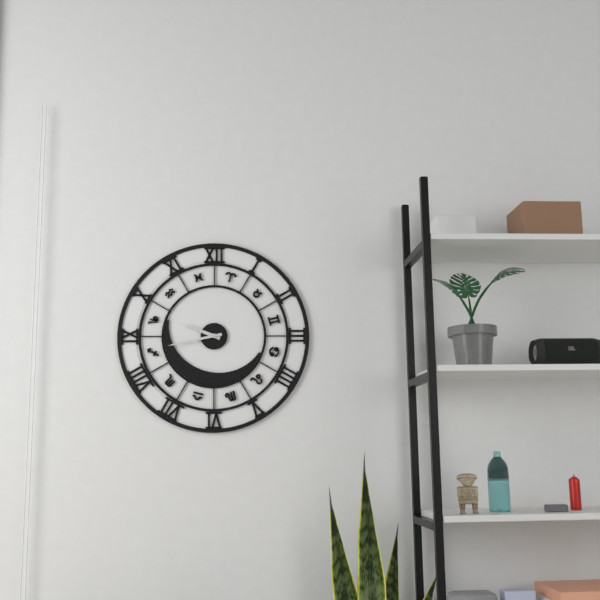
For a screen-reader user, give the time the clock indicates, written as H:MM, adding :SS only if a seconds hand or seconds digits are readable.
9:43
